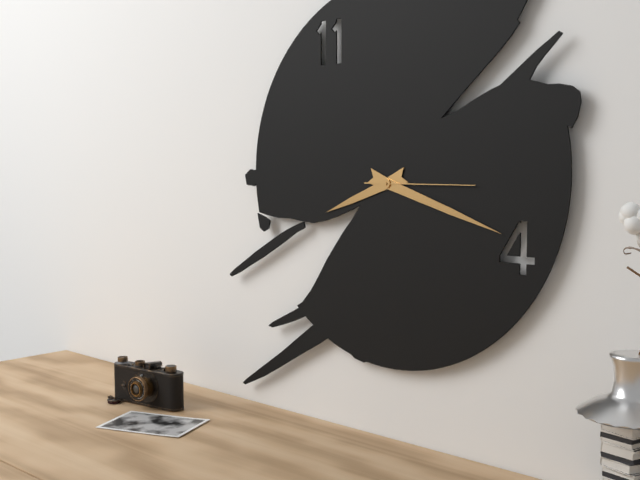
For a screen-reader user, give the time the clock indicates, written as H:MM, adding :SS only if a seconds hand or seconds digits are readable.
8:18:15
